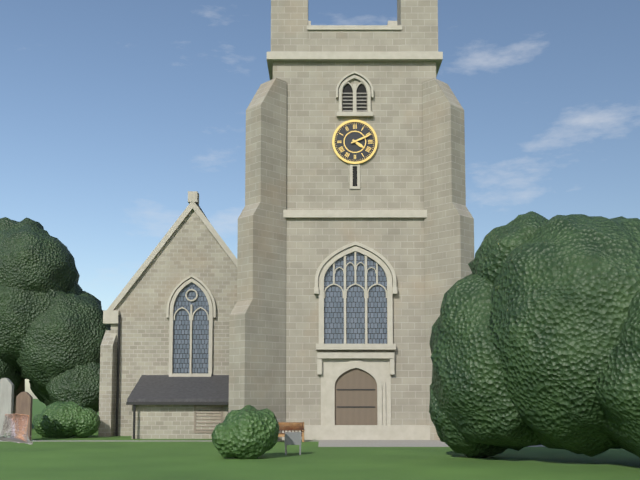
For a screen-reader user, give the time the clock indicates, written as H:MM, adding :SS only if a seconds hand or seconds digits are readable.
4:11
